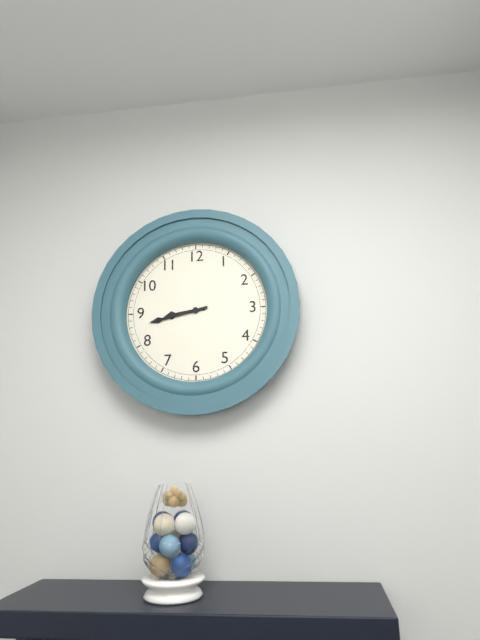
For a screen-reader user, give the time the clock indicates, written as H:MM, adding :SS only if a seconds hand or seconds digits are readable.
8:43
